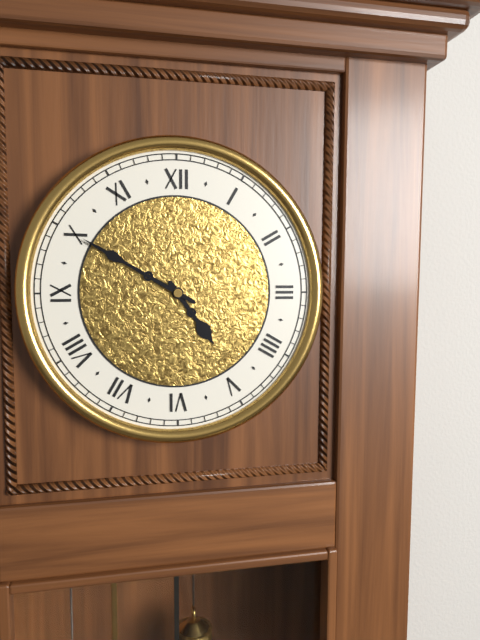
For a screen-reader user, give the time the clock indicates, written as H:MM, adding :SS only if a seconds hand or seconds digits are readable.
4:50
